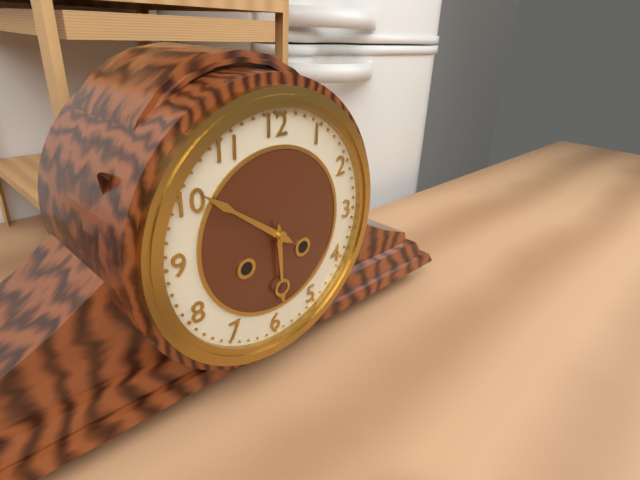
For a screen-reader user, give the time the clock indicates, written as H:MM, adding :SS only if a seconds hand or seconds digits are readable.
5:51
